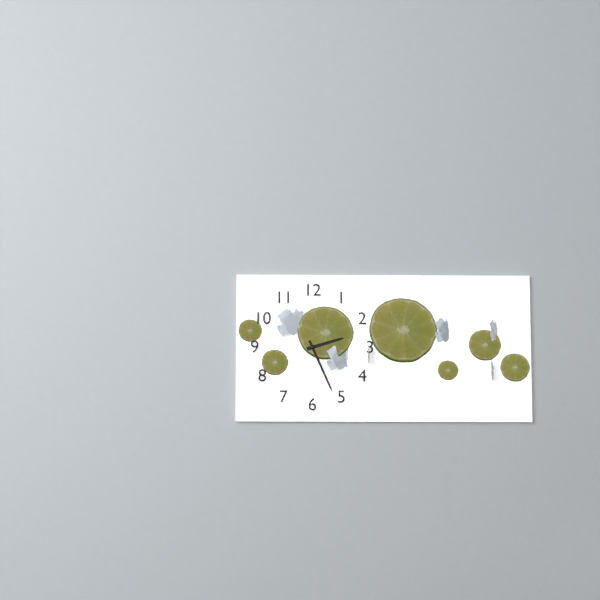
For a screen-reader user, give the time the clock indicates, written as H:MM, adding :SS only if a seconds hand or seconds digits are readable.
2:26
